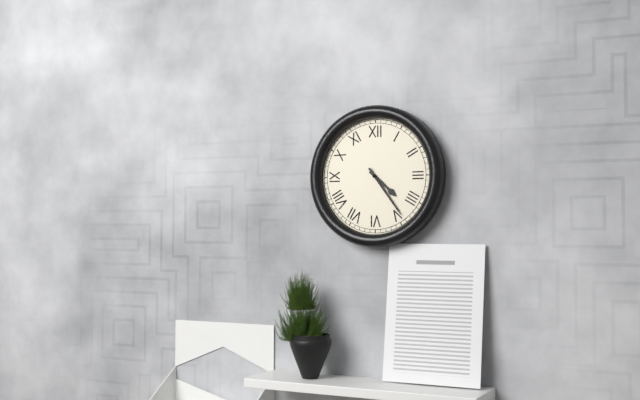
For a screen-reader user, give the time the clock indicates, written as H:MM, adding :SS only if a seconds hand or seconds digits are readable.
4:24
